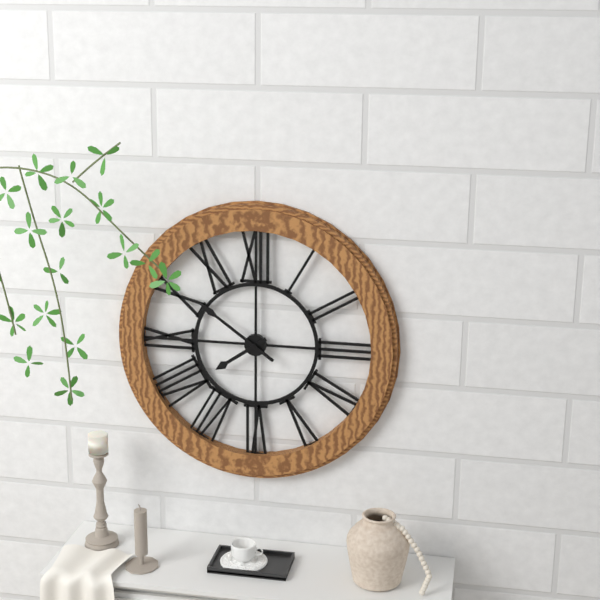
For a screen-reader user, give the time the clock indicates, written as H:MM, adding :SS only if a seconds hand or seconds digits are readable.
7:51
